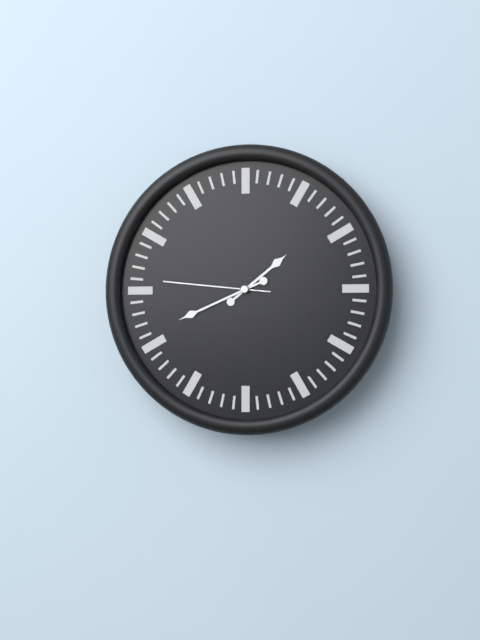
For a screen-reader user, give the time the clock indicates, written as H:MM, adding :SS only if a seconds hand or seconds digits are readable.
1:41:46
